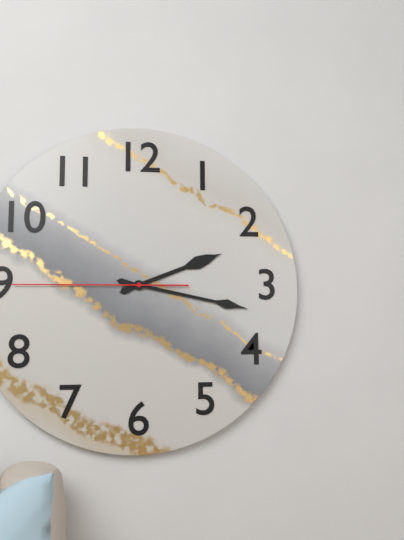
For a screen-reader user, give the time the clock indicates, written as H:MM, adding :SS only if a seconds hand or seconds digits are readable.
2:17:45
